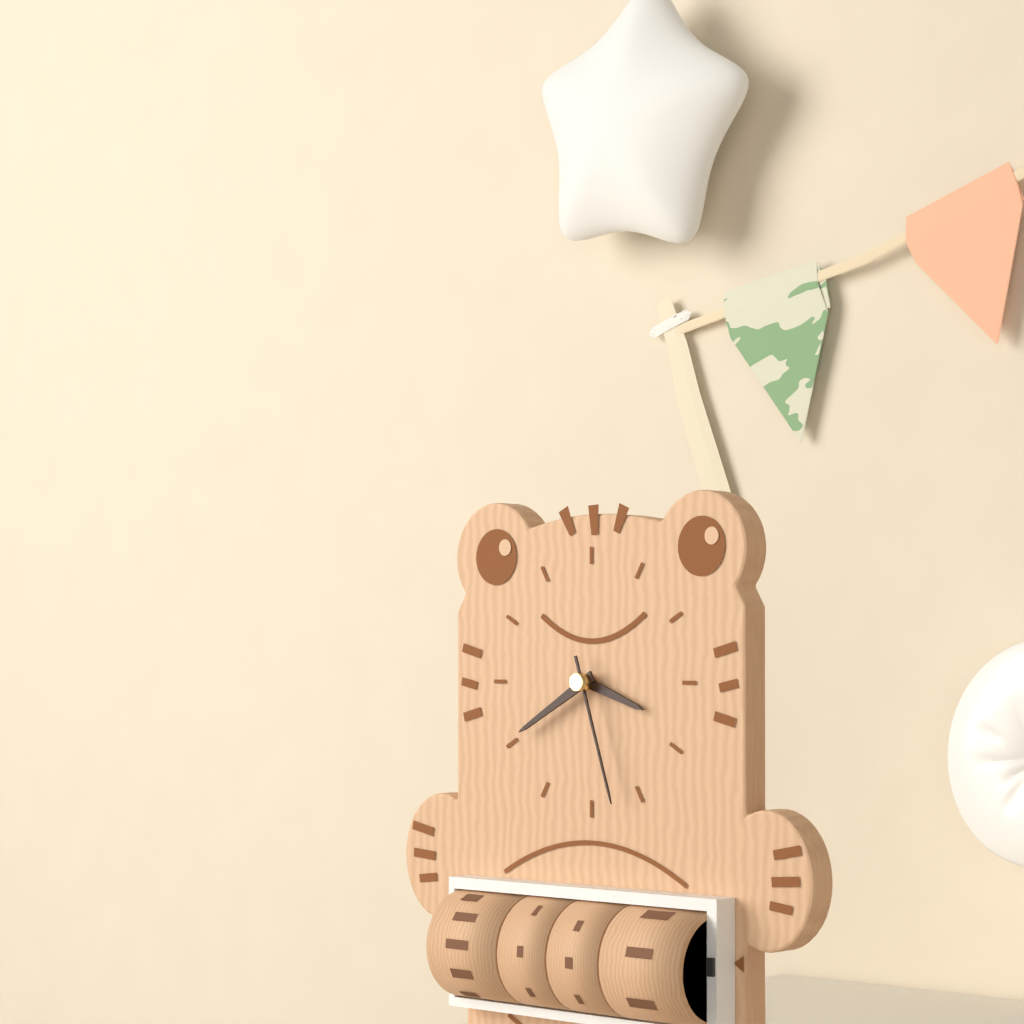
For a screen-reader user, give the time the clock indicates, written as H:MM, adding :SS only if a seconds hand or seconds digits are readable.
3:40:27
